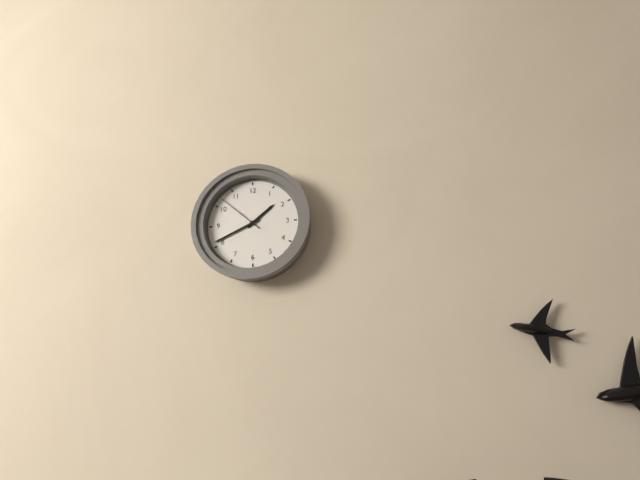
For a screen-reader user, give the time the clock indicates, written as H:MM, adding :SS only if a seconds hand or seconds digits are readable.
1:41:52
